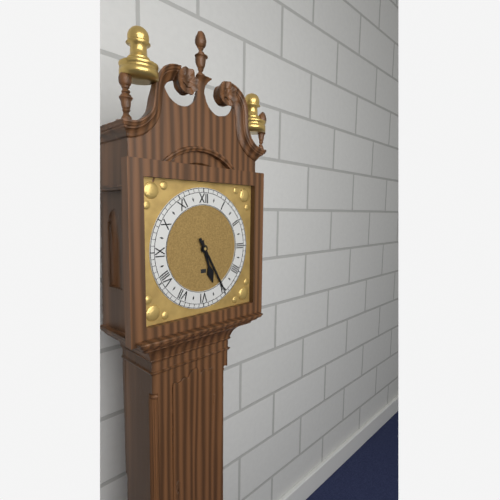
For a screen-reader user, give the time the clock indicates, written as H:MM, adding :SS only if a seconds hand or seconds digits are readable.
5:25
